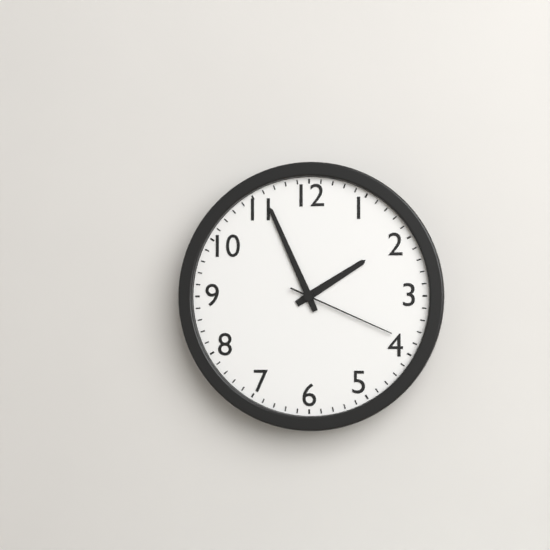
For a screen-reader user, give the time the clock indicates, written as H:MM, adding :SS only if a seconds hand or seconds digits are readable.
1:56:19
